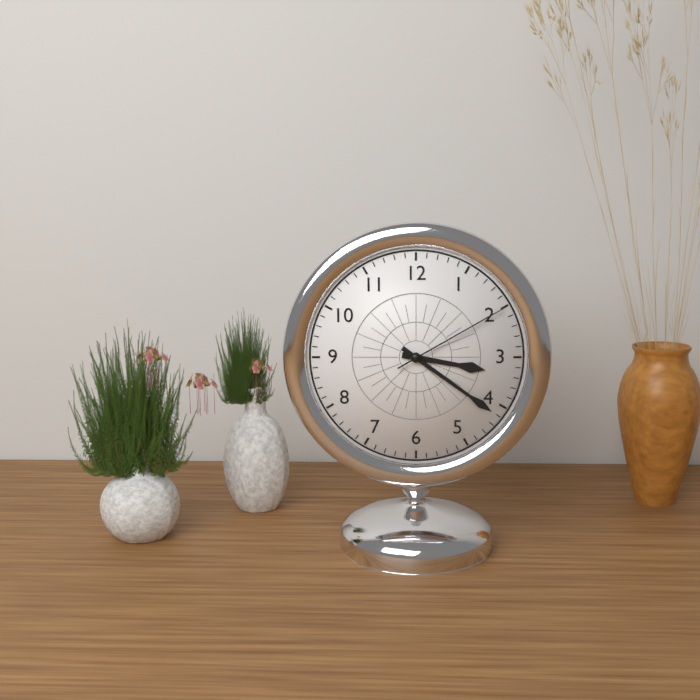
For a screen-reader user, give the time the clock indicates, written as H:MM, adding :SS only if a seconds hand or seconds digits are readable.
3:21:10
